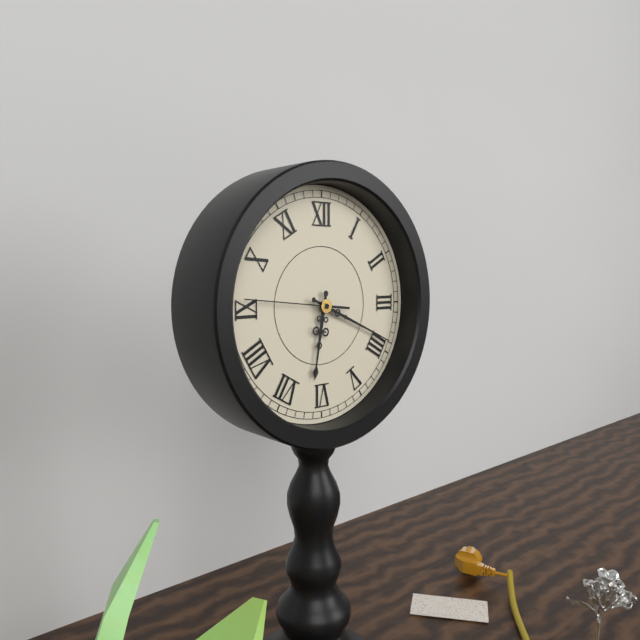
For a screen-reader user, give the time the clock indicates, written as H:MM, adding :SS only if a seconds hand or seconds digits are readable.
6:19:46
